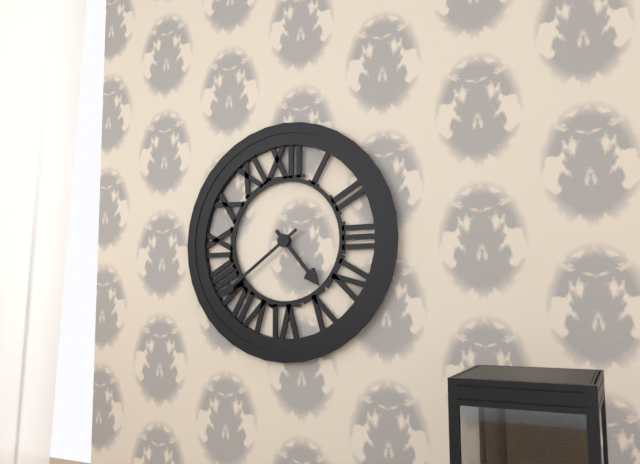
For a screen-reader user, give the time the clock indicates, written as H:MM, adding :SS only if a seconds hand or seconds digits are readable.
4:39
